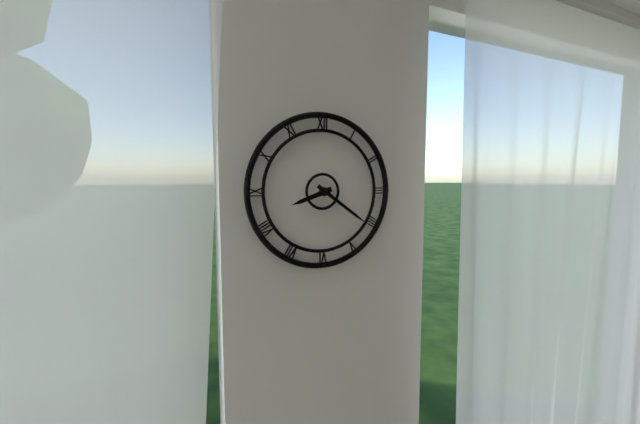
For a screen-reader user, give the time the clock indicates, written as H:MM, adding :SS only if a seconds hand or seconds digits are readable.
8:21
